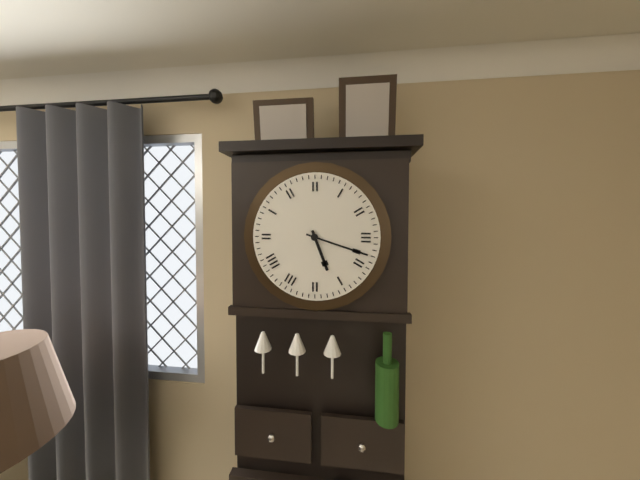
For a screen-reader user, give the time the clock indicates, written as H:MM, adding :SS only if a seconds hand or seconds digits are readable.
5:18
